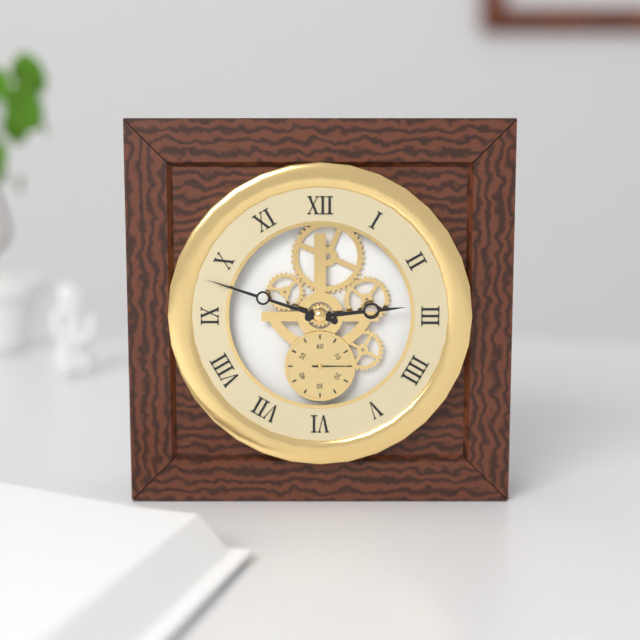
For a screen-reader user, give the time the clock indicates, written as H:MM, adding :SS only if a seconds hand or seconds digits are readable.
2:48
